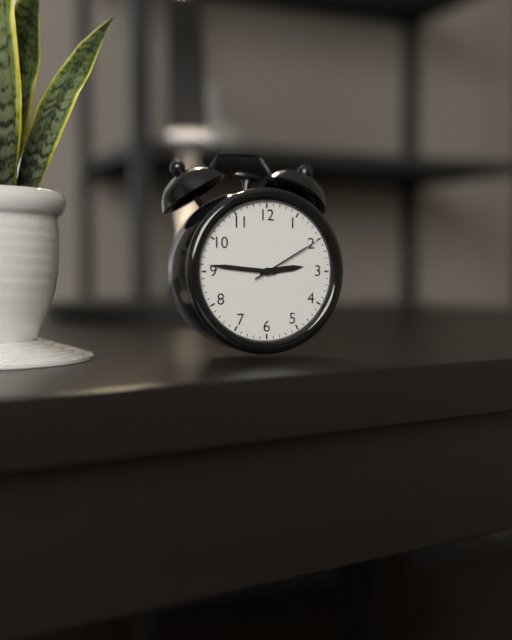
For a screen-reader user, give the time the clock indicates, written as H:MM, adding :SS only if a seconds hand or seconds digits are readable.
2:46:10
